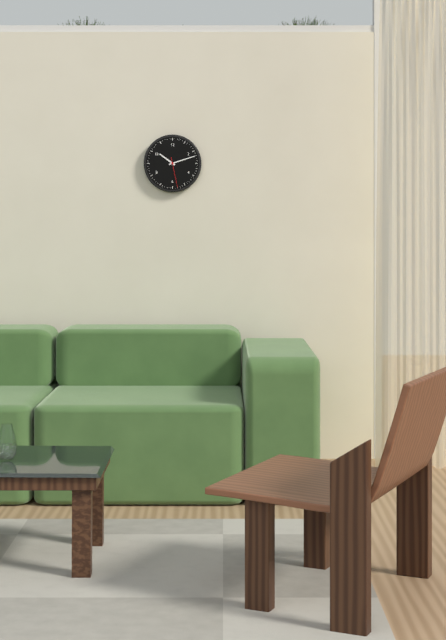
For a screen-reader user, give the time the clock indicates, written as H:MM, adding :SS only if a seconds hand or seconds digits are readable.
10:12
